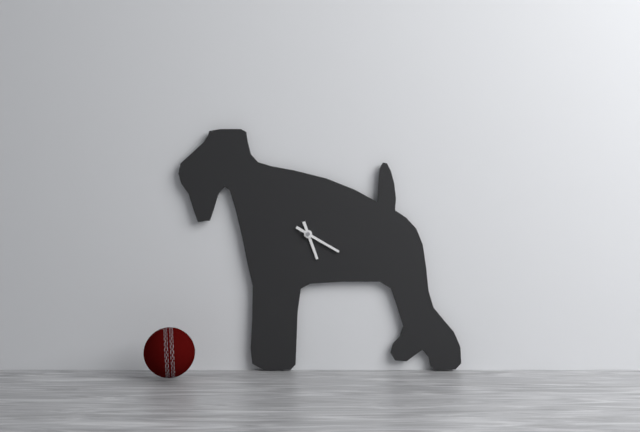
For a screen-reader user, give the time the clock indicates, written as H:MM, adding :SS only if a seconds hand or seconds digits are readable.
5:20
